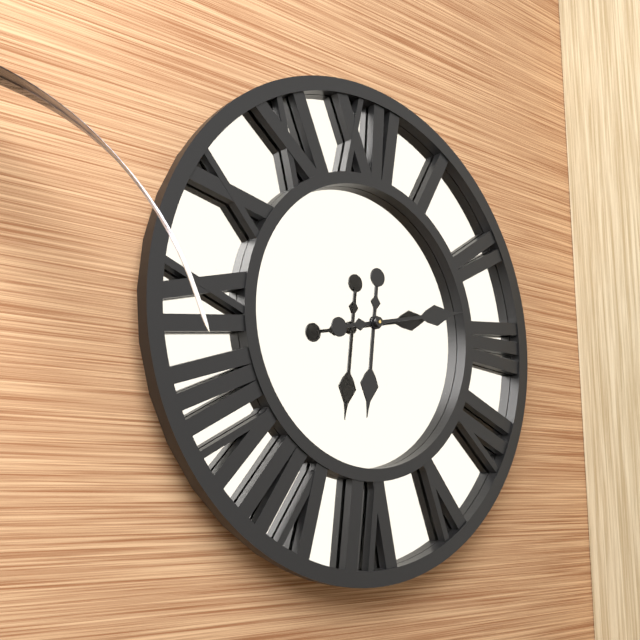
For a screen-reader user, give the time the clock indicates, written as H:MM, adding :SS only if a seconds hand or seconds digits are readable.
6:13
